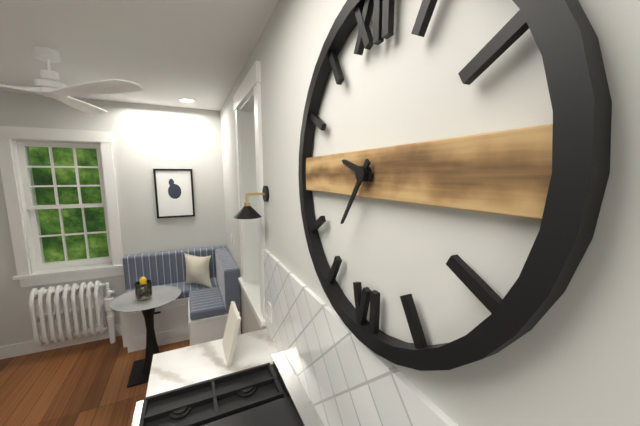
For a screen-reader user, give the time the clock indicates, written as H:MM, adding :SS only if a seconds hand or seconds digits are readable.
9:36
